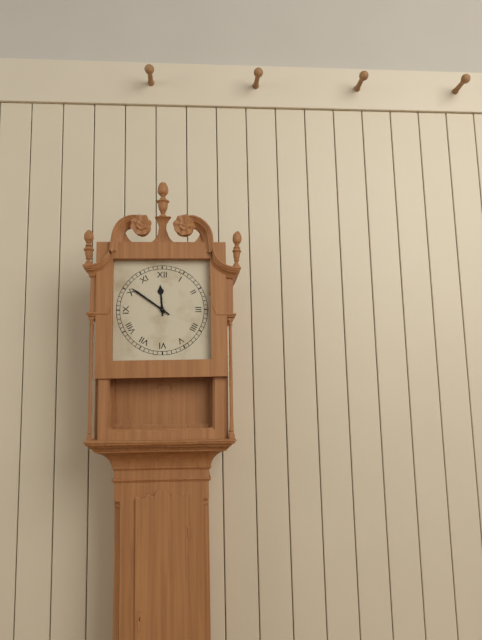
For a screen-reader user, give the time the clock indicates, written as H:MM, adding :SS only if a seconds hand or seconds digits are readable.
11:51
